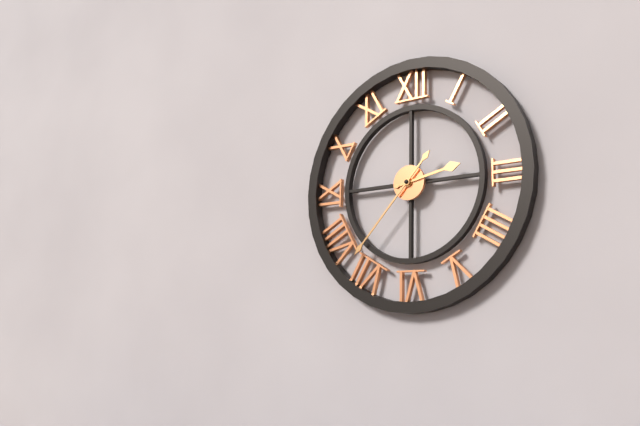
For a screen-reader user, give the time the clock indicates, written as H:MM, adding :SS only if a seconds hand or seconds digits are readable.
2:37
